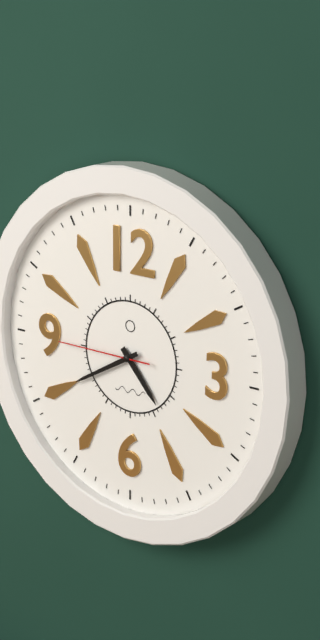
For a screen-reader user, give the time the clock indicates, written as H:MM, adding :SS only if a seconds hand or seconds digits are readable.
4:40:45
